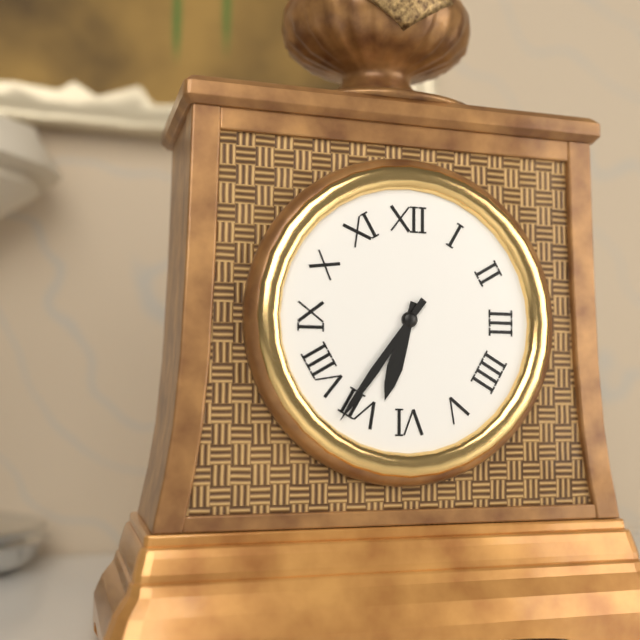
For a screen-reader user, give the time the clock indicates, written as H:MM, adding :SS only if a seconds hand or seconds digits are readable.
6:36
